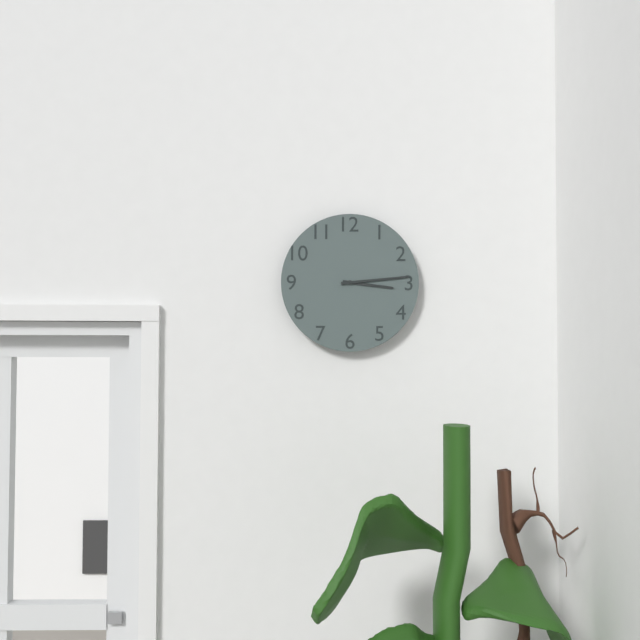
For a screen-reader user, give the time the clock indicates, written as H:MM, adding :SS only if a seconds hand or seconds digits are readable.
3:14
